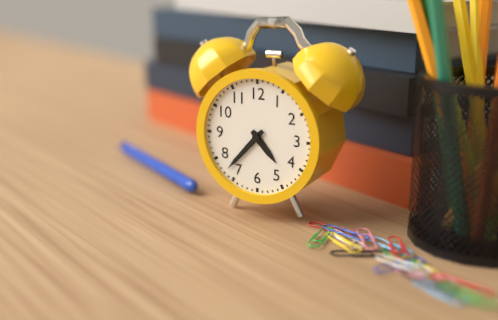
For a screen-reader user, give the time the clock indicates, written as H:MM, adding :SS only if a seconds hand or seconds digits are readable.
4:37
